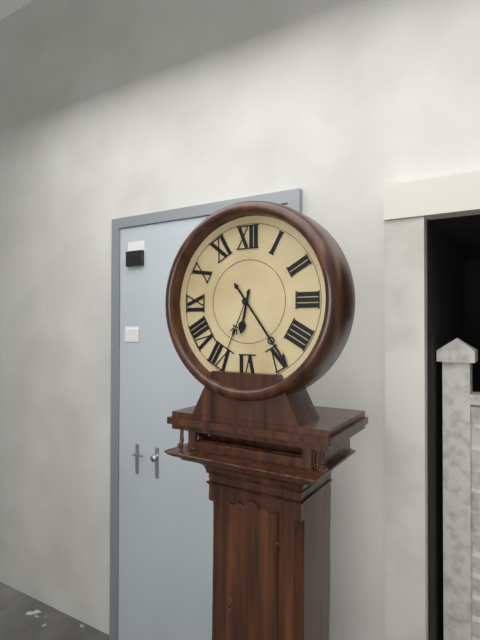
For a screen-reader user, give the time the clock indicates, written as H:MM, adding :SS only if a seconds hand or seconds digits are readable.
6:24:34
